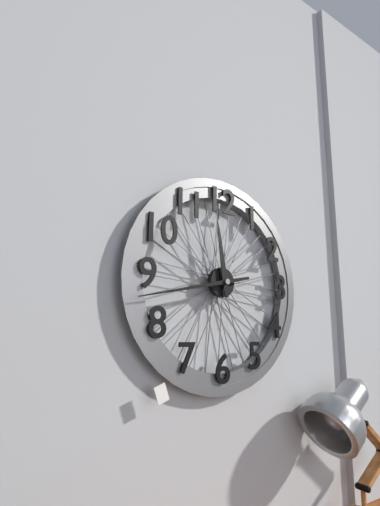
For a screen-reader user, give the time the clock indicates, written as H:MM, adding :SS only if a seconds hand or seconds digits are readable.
11:43
